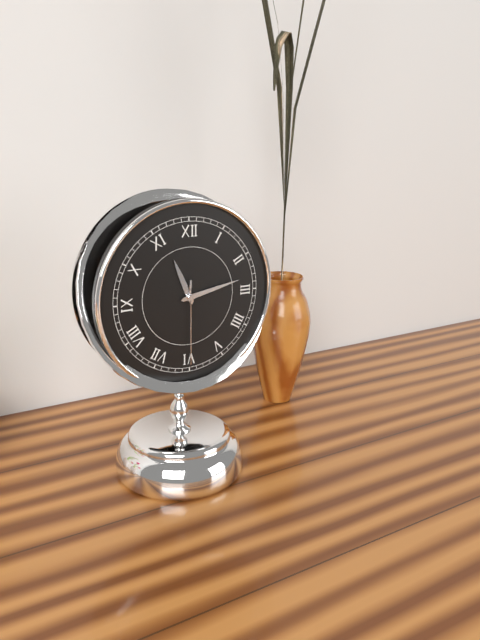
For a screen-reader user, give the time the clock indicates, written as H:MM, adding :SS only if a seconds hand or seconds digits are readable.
11:13:30
